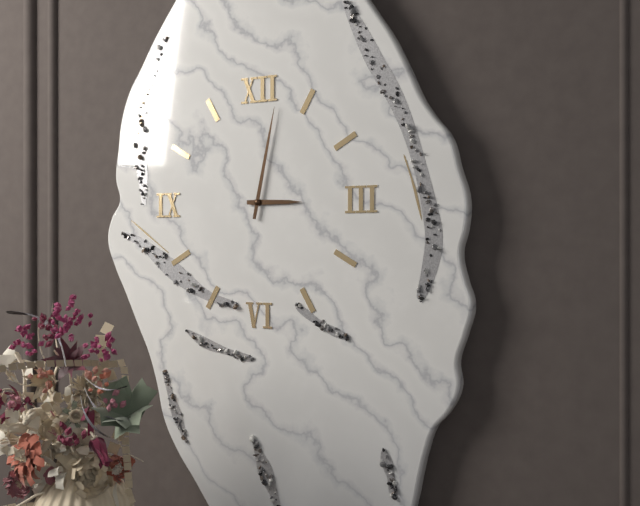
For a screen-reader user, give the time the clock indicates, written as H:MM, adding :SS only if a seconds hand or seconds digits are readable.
3:02
